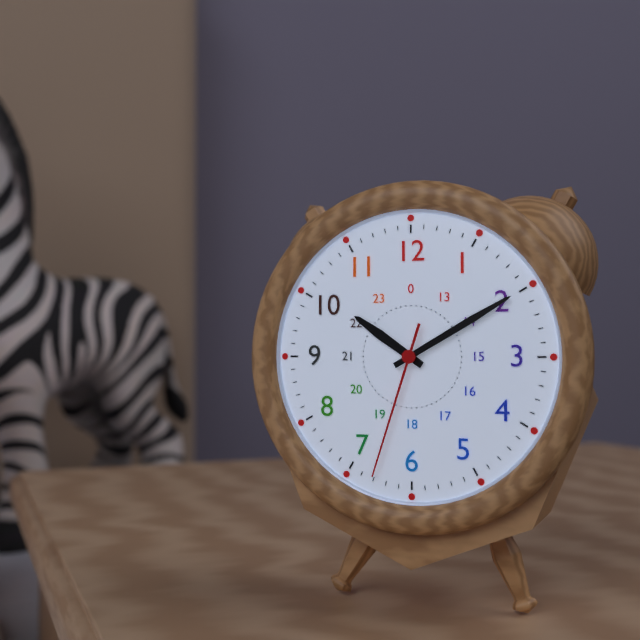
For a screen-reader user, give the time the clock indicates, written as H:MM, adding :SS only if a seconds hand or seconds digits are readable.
10:10:33
